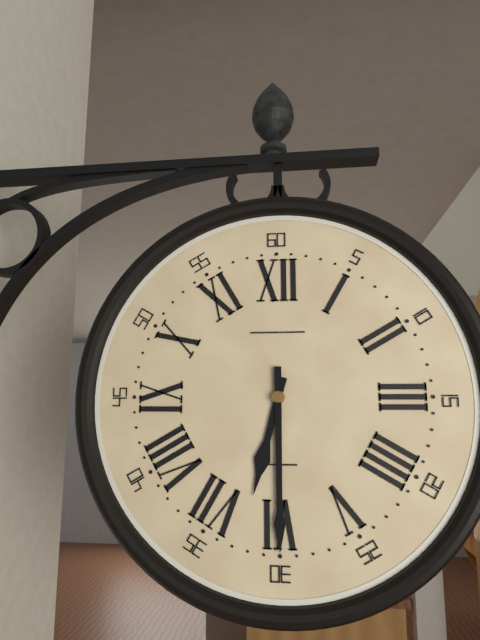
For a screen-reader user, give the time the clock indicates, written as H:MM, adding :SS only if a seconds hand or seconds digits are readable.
6:30
